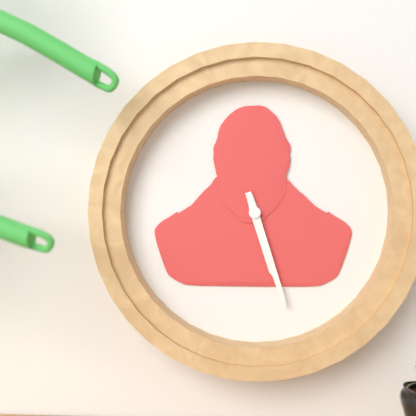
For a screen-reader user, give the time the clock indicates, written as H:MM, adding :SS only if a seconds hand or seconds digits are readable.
5:27
